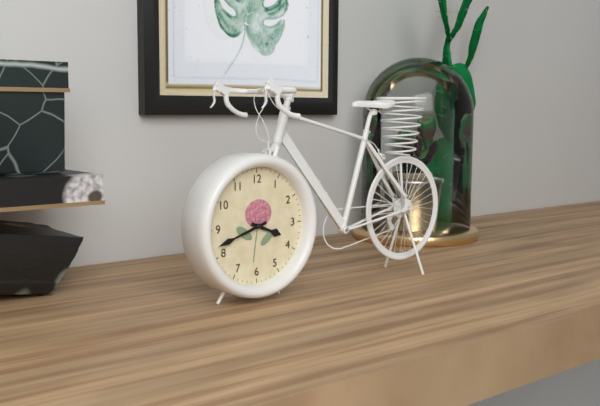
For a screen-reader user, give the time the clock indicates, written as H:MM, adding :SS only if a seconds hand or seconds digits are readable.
3:42
